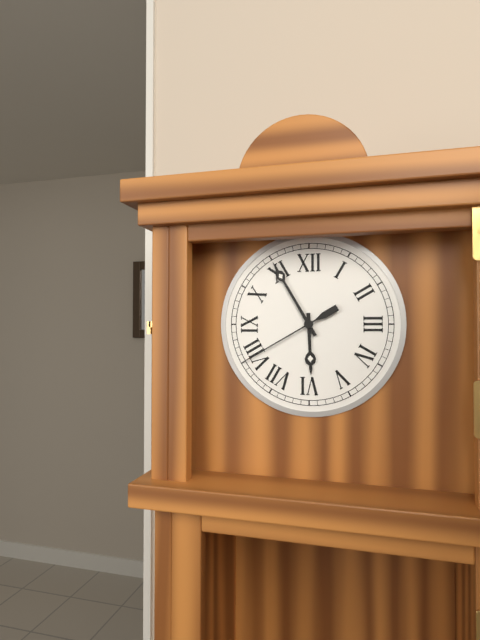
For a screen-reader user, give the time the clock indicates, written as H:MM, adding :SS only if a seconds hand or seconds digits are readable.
5:55:40
